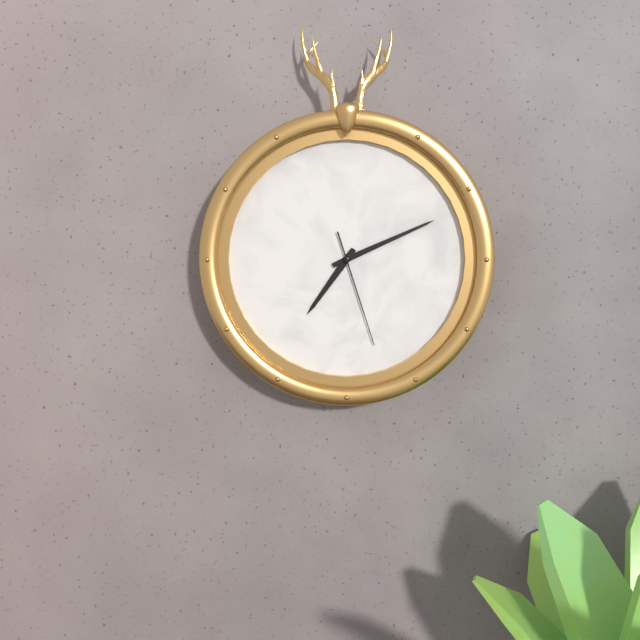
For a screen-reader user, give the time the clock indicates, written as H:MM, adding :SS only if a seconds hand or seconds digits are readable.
7:11:27
